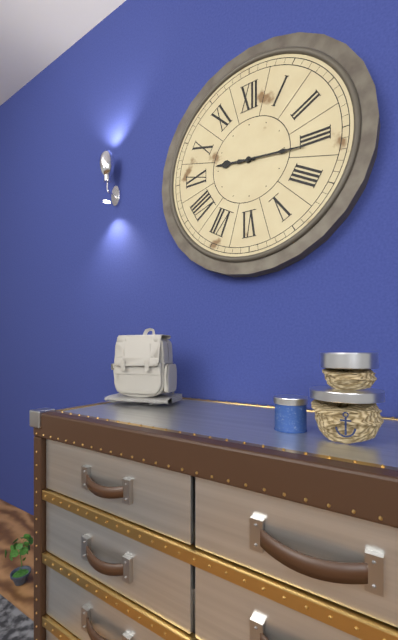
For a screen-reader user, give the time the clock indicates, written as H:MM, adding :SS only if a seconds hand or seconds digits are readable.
9:16
